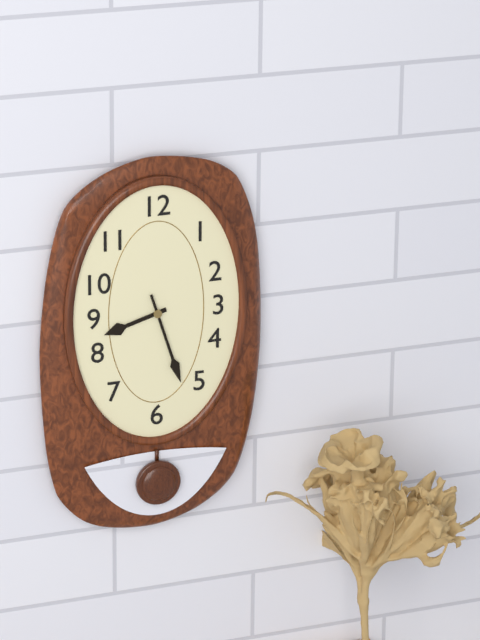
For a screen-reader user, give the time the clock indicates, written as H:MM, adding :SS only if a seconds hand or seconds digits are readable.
8:27
